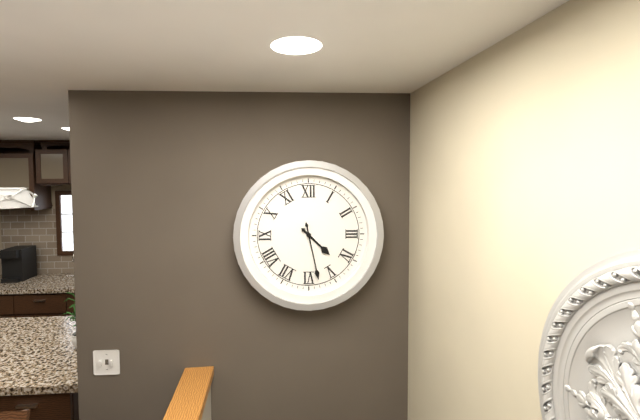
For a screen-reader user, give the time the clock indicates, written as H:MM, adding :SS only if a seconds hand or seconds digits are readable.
4:28
